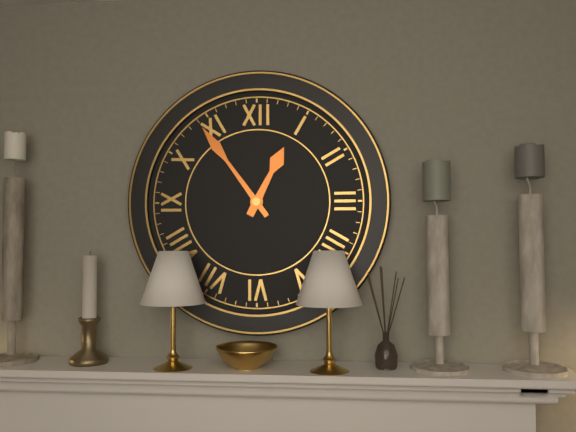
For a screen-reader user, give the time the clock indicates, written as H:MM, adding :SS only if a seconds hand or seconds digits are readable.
12:54
